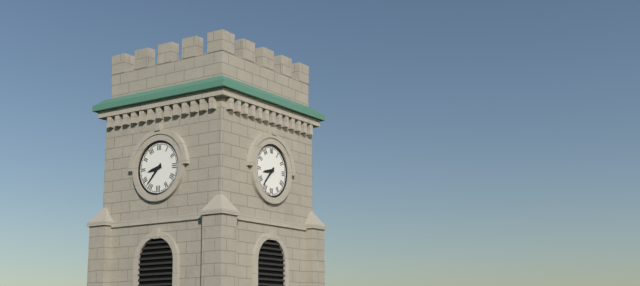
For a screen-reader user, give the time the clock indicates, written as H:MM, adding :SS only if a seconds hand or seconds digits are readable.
8:37
